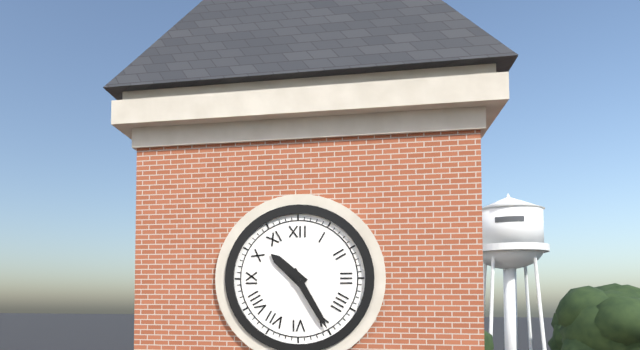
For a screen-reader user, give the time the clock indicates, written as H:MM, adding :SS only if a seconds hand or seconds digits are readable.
10:25
